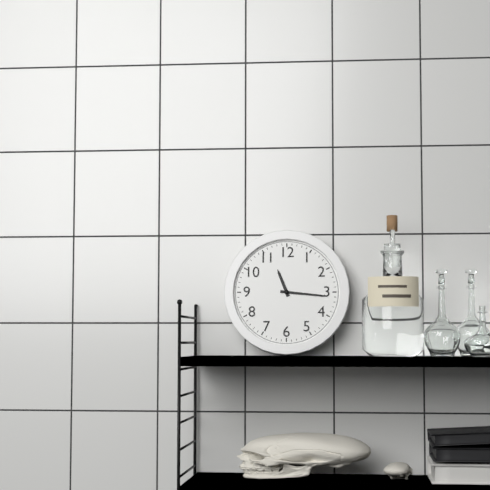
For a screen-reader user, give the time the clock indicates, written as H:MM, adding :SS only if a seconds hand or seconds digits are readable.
11:16
